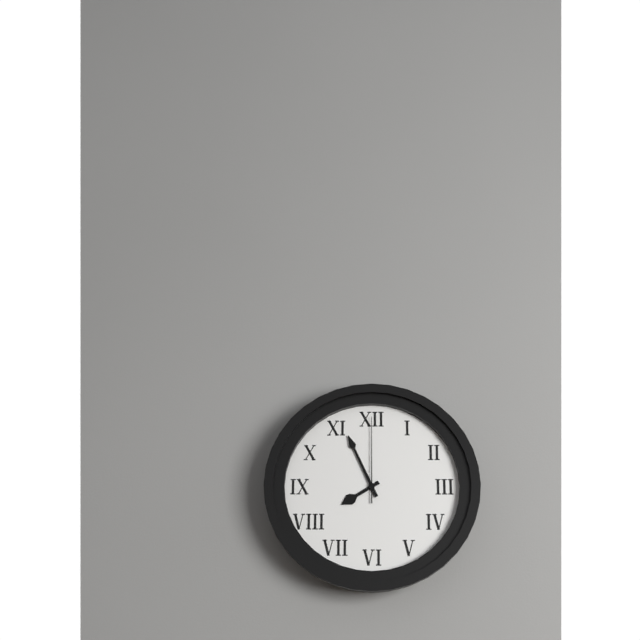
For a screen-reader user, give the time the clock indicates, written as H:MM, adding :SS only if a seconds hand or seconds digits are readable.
7:56:00
